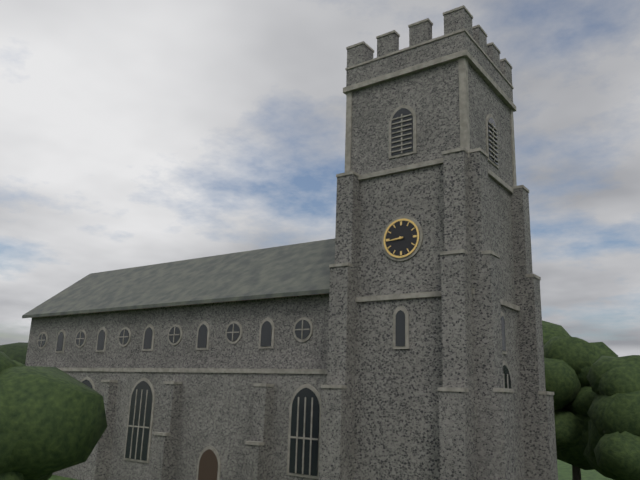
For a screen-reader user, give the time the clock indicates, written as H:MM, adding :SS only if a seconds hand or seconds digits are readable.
8:44
